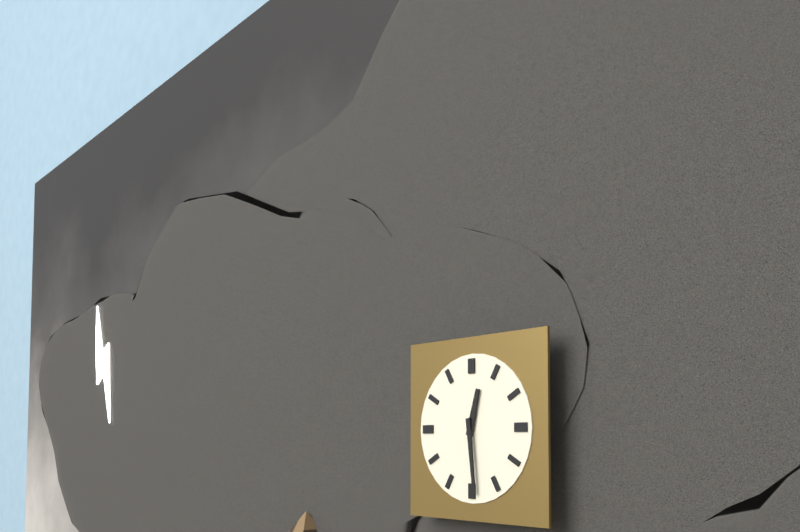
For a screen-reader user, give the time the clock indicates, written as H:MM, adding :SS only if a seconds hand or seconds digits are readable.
12:29
